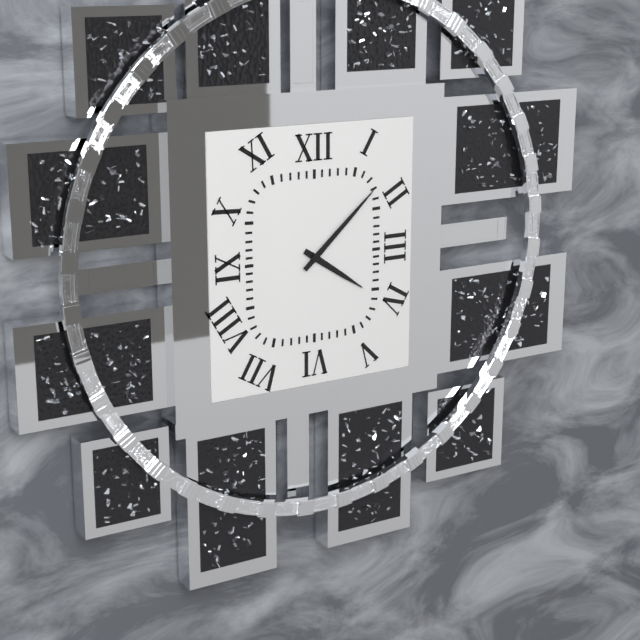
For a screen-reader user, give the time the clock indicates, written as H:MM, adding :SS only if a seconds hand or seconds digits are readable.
4:08
